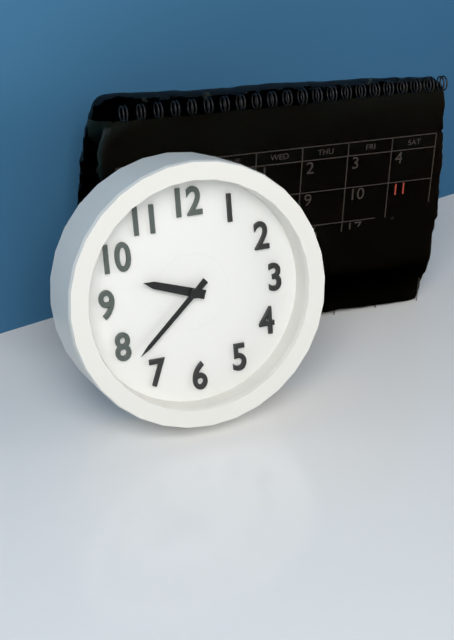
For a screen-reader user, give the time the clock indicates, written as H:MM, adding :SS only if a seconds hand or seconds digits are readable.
9:38
